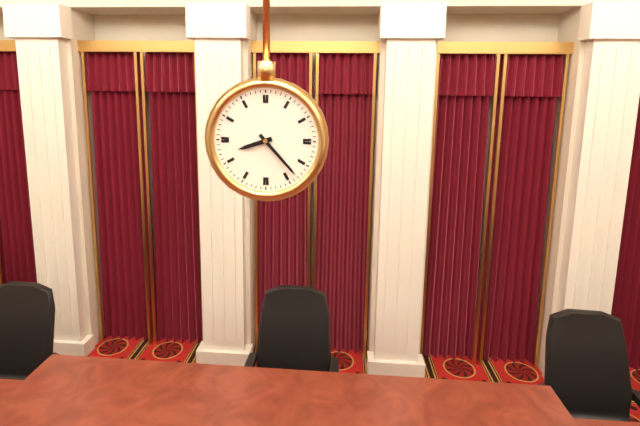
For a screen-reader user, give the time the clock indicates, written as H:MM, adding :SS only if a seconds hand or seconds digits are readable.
8:23
